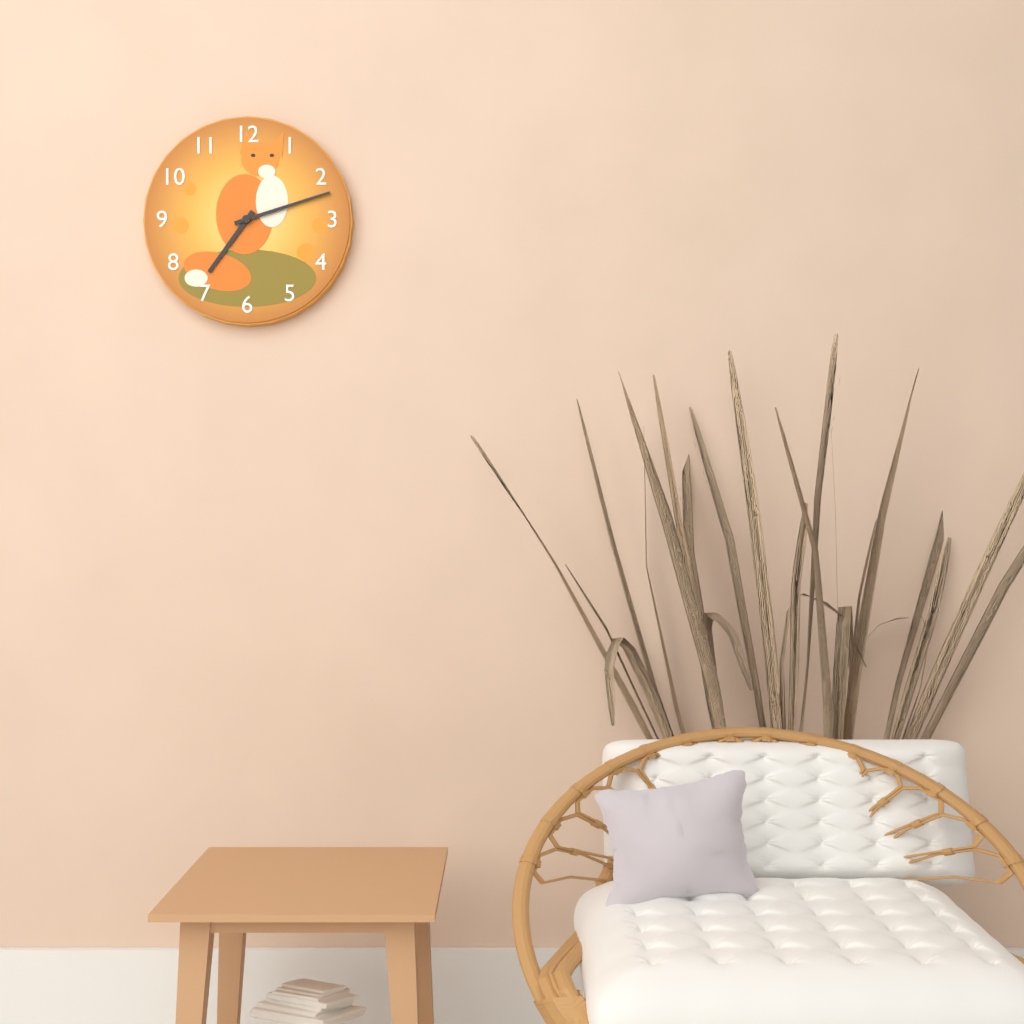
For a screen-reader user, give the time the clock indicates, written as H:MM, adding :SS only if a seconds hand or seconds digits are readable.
7:12
